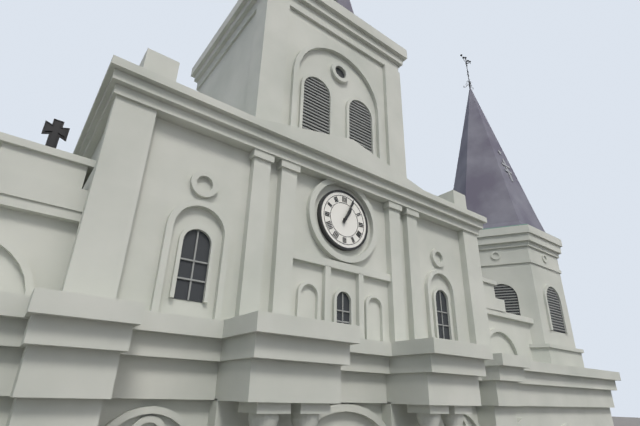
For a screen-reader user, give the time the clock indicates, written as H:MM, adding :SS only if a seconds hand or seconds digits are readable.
1:04
